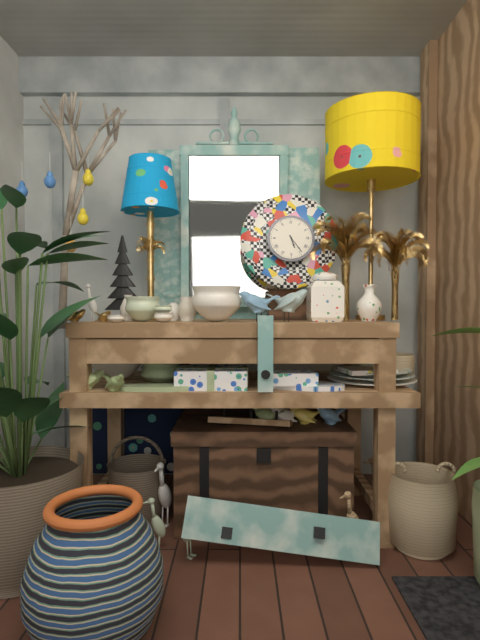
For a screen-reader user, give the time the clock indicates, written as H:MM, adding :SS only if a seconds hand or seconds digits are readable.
5:24
